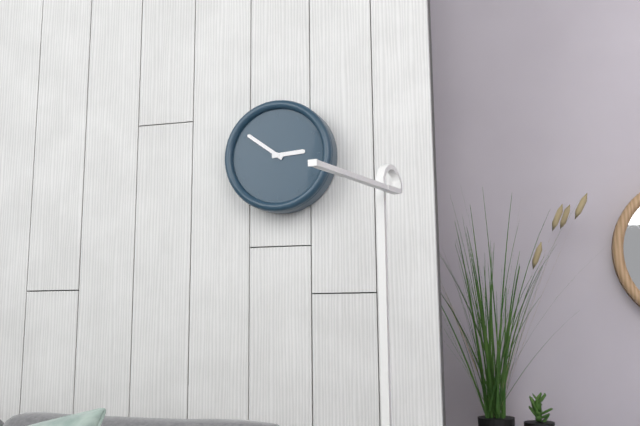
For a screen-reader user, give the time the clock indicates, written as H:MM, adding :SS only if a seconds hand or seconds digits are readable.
2:51
